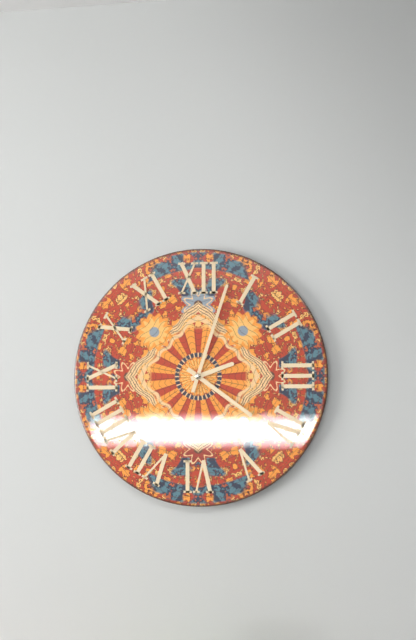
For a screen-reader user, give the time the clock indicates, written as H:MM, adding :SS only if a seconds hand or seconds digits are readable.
2:21:03
